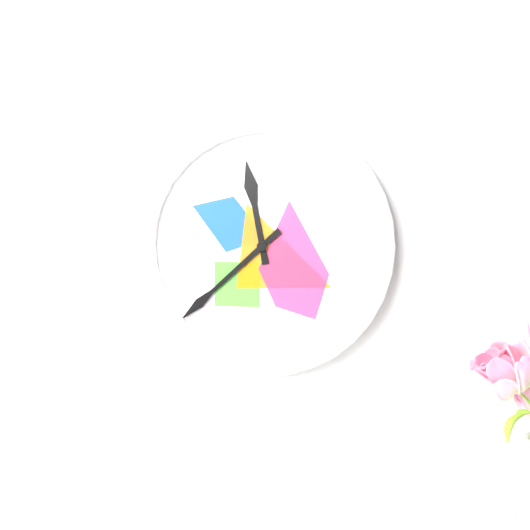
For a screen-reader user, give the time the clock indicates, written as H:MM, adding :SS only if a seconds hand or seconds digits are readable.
11:38
